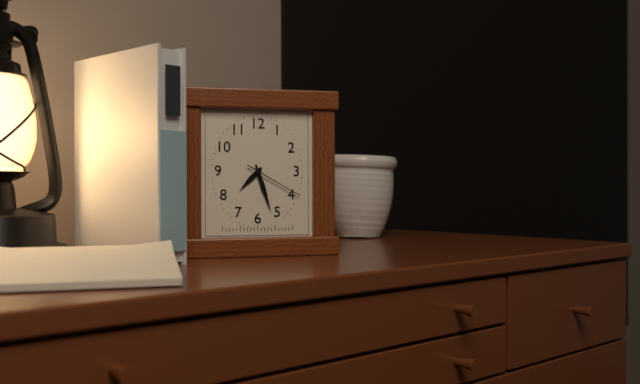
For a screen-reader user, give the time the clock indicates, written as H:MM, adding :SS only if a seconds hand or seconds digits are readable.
7:27:20
